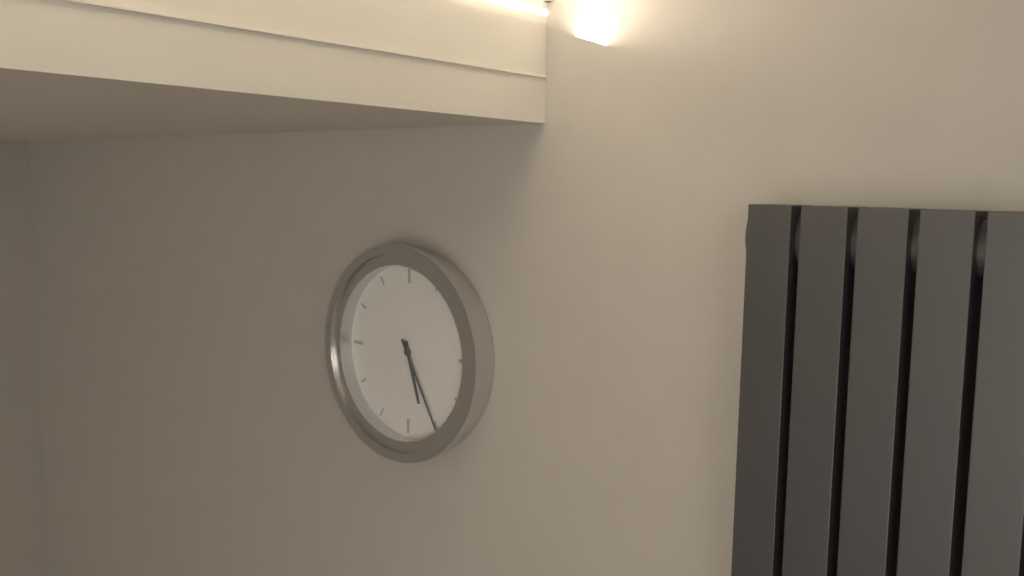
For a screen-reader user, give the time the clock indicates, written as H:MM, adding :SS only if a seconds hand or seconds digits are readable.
5:25
